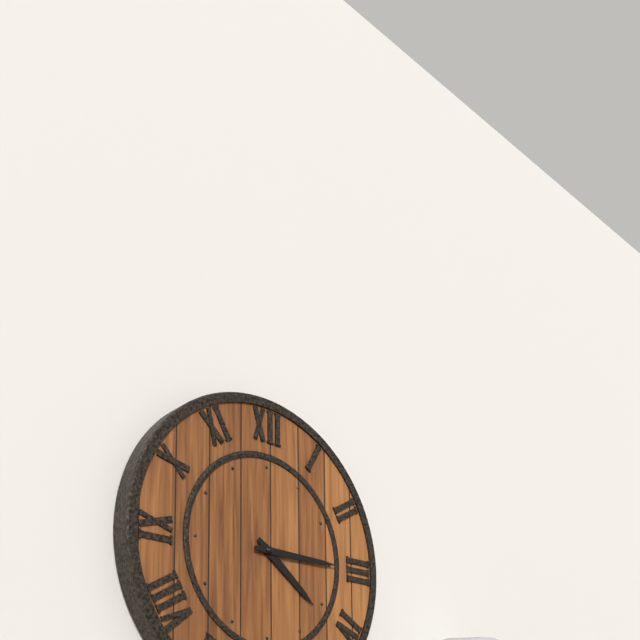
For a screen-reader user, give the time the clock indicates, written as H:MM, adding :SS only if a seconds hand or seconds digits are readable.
4:15
